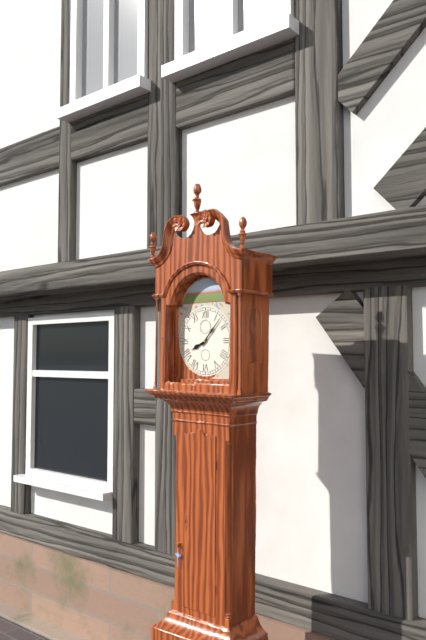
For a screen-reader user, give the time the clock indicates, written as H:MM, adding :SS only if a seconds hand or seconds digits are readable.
8:07
